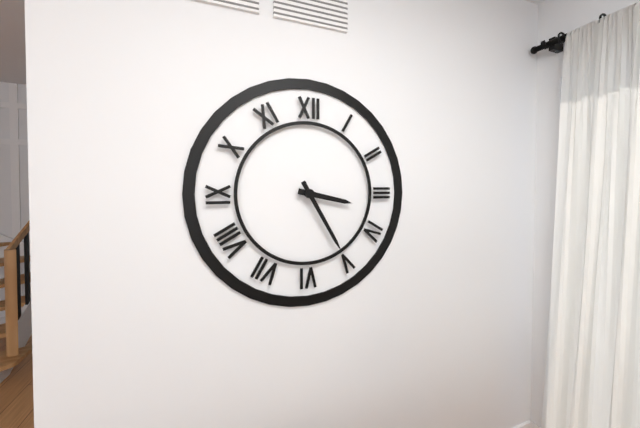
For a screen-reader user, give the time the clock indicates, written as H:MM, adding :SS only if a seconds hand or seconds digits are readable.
3:25
